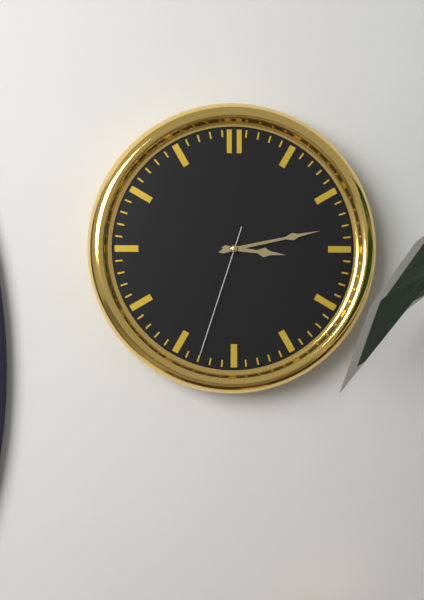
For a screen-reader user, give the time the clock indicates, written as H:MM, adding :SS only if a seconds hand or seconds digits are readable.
3:13:33
